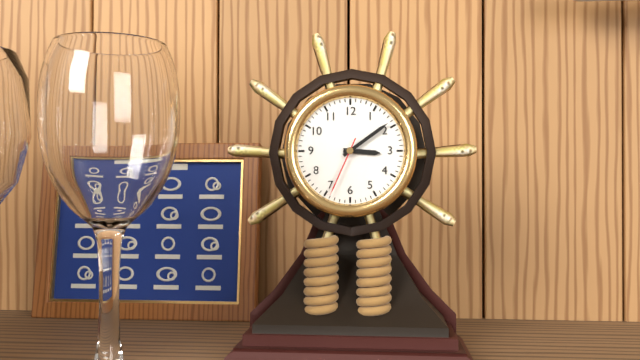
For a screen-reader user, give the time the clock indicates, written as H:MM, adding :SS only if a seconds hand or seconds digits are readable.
3:09:34
